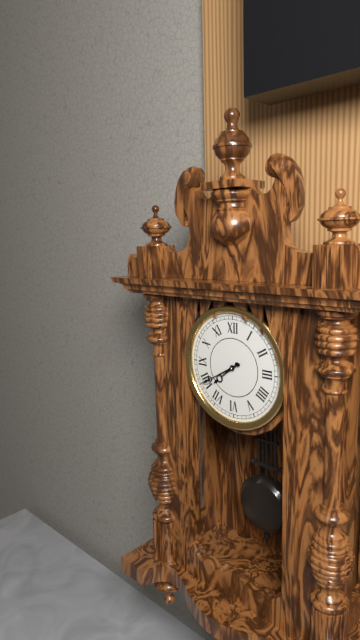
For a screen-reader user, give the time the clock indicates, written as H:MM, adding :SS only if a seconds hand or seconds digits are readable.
7:40
